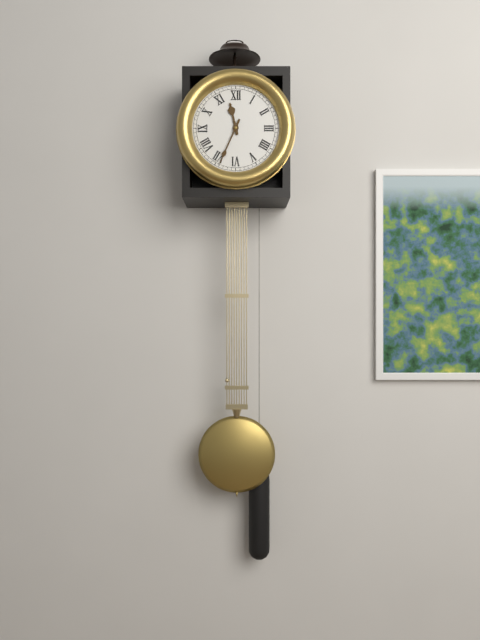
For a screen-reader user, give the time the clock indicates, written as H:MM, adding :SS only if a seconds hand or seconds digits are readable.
11:34
